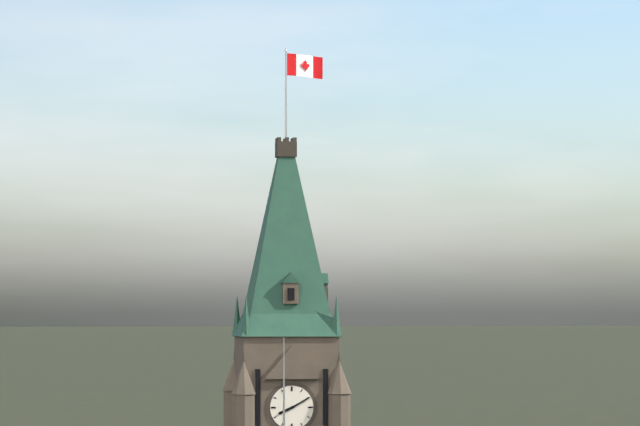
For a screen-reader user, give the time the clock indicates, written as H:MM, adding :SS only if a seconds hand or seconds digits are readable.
8:10
